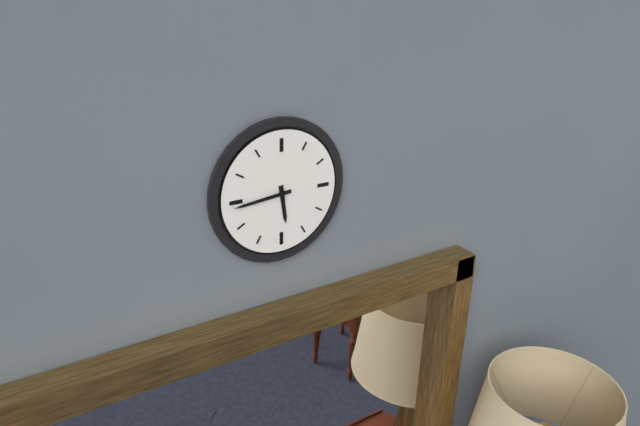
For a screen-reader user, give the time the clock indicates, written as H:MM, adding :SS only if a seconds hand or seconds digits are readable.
5:44
